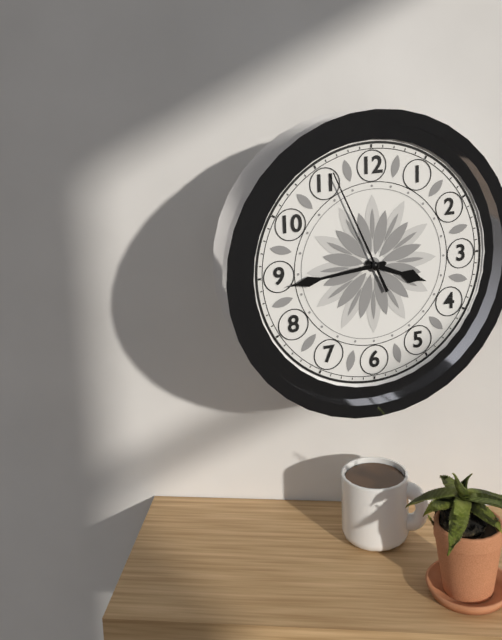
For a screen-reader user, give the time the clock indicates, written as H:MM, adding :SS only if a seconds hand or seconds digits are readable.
3:44:56
